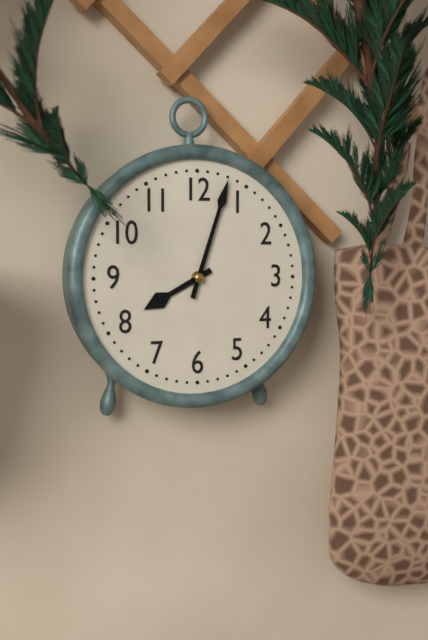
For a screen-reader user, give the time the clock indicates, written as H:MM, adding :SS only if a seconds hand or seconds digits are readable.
8:03
